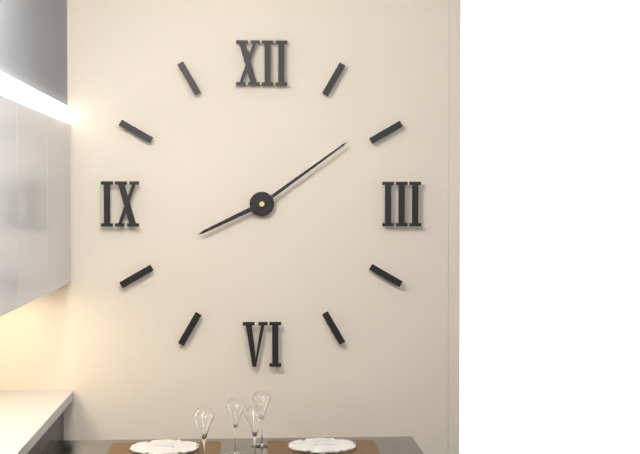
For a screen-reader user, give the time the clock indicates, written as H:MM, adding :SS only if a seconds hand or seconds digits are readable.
8:09
